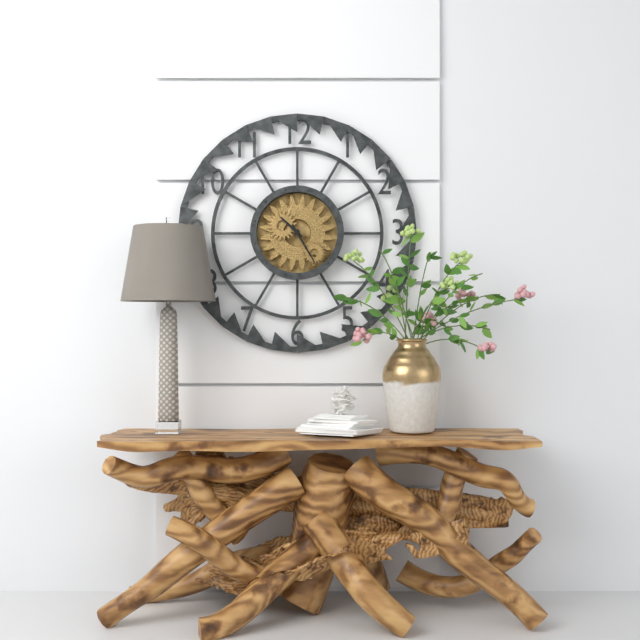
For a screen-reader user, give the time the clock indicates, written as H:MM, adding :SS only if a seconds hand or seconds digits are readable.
10:25
